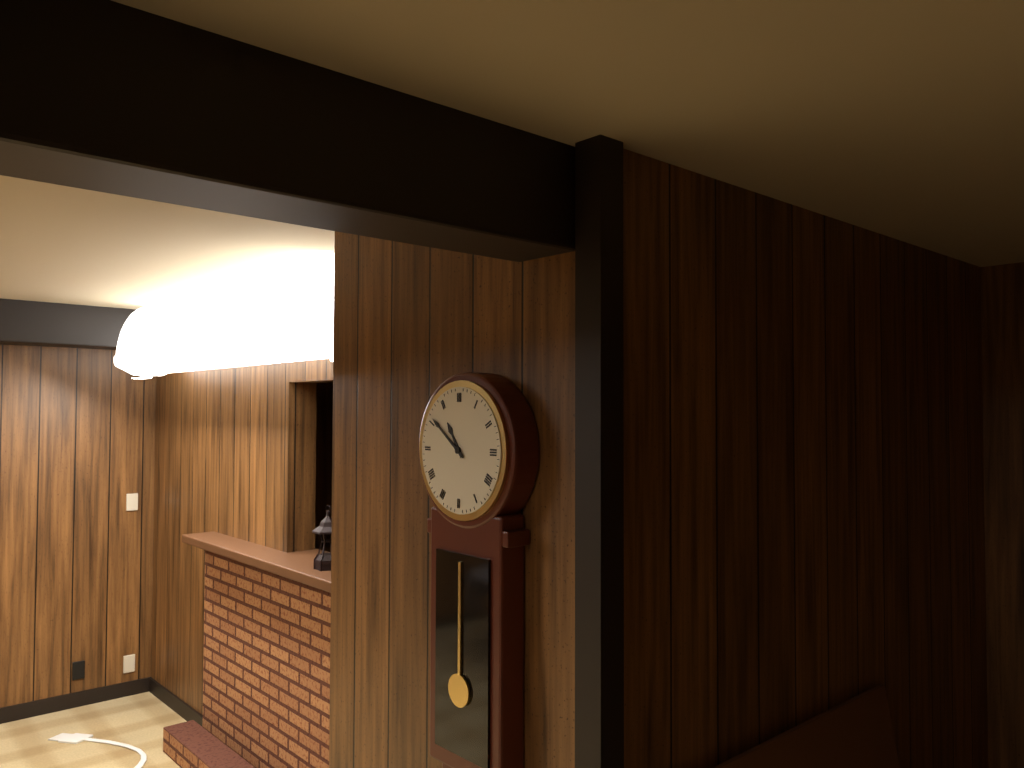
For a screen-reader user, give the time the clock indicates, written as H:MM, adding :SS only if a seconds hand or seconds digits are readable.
10:51
